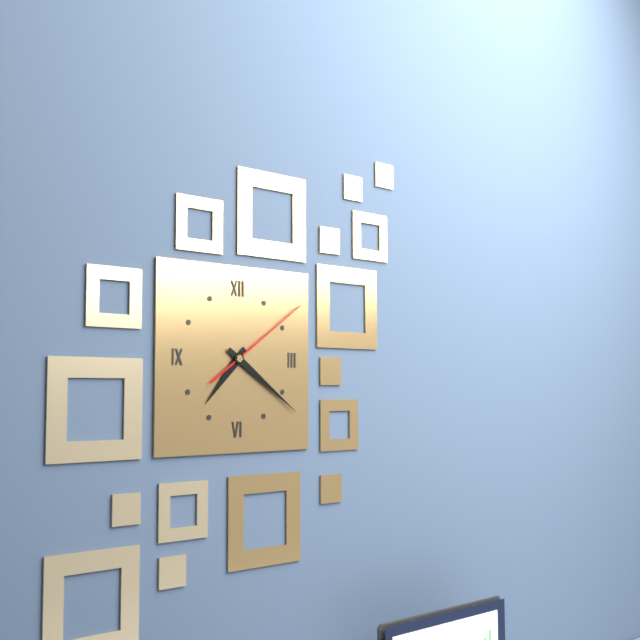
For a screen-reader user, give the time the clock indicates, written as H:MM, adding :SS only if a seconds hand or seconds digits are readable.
7:21:09
